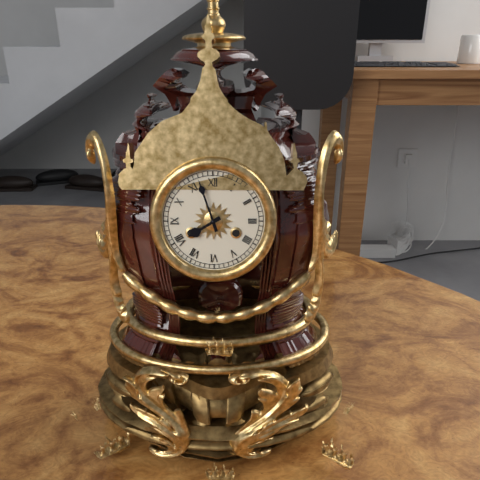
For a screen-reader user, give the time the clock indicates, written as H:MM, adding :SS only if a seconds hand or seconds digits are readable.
7:57
